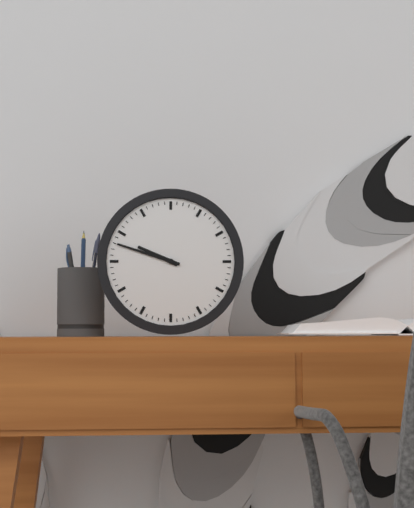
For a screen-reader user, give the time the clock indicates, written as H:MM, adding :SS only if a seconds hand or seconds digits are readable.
9:48
